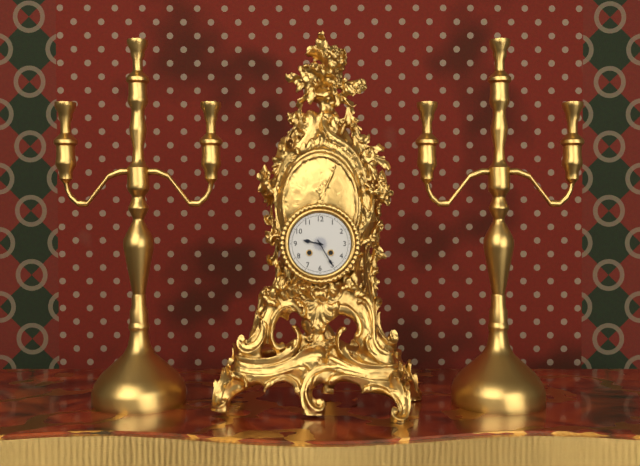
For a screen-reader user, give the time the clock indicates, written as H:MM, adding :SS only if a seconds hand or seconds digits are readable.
9:25
